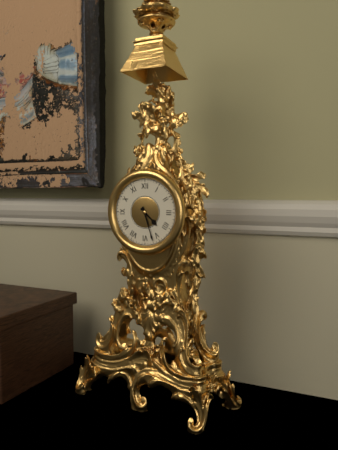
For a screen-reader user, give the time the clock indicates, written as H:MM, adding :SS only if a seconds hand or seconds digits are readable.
4:27
